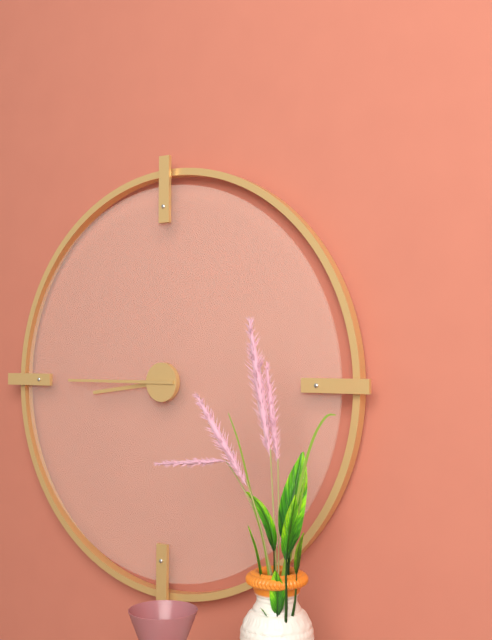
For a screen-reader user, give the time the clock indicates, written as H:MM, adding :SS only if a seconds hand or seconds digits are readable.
8:45
